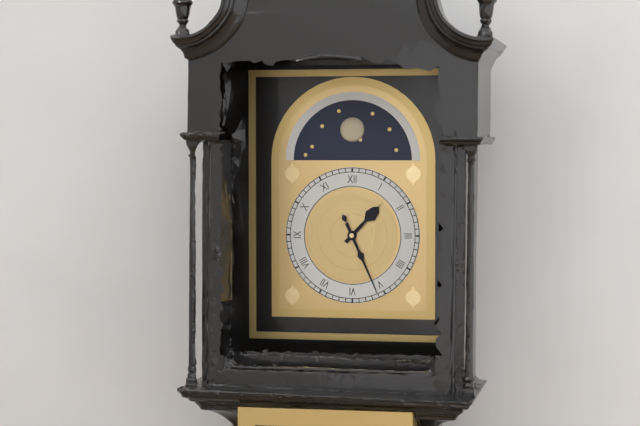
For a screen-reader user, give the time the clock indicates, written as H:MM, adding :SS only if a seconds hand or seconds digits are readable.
1:26
